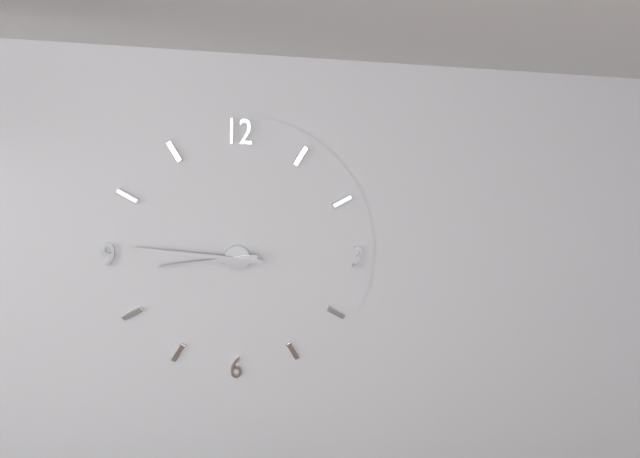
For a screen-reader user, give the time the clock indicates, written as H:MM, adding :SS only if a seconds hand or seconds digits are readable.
8:46
